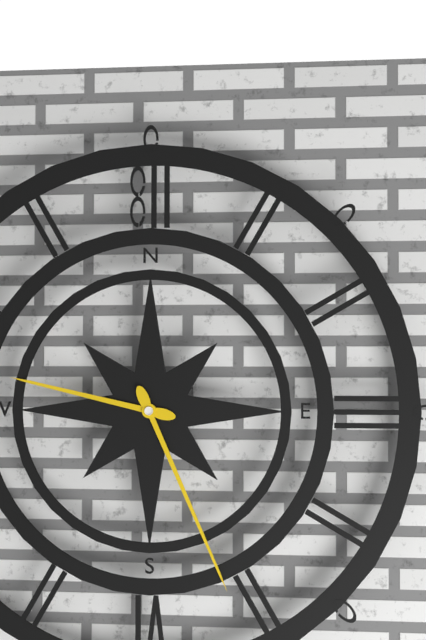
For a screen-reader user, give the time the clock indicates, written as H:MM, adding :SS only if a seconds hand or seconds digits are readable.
9:26
